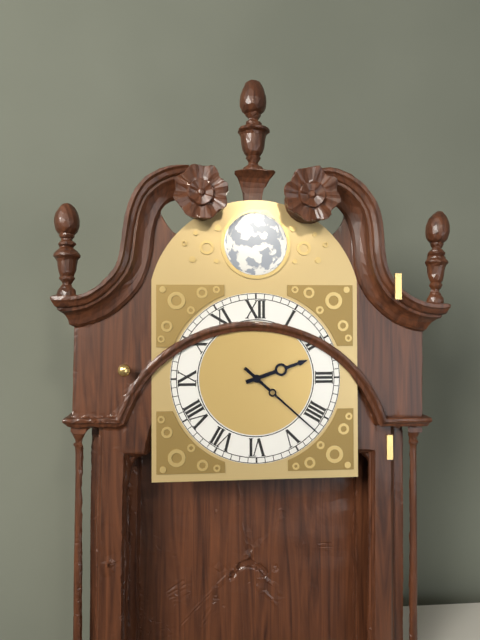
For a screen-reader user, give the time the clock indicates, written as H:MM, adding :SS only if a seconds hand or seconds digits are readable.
2:22
